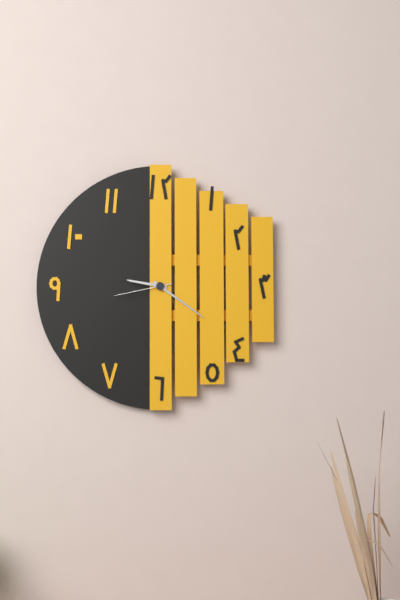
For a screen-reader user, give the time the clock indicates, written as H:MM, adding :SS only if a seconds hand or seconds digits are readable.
9:21:43
